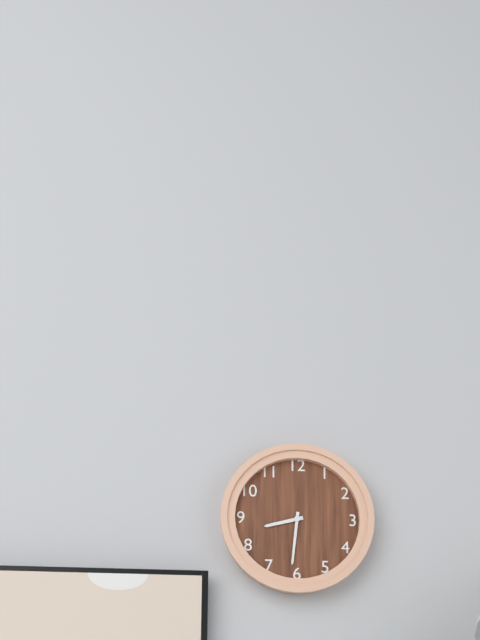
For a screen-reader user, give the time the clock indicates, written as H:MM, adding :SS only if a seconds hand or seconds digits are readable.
8:31
